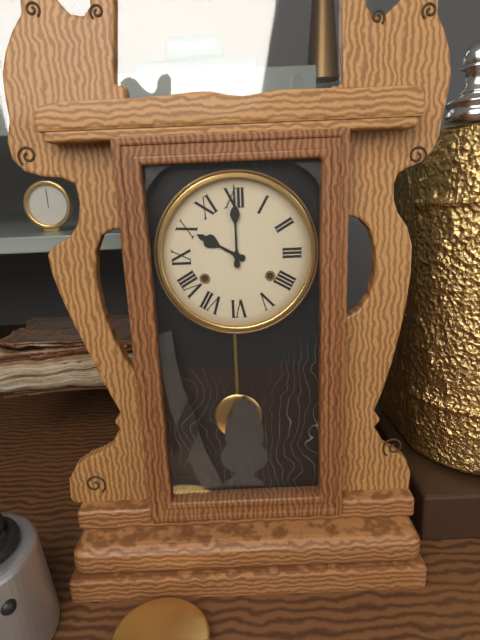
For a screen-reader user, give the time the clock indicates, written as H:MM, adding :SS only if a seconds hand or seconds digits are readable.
10:00
